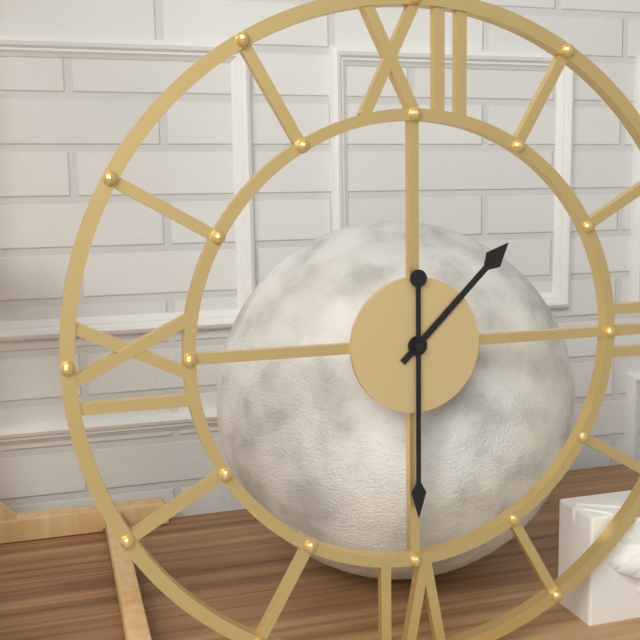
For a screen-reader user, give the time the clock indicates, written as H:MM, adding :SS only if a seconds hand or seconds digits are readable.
1:30
